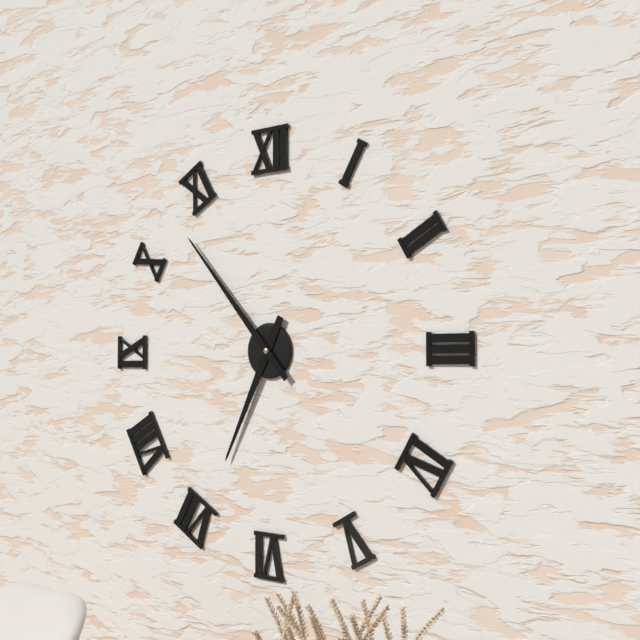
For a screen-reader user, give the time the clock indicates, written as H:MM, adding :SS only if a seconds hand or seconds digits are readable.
6:53
